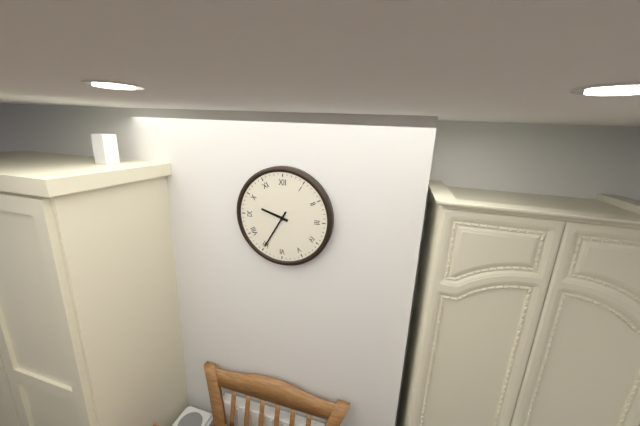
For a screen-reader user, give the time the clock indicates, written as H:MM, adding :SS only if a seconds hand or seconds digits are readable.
9:35
